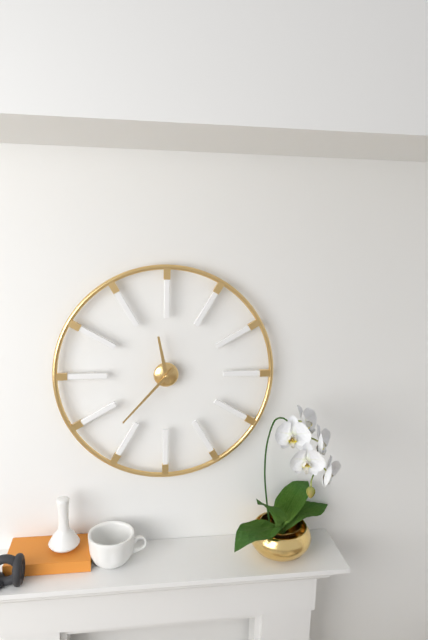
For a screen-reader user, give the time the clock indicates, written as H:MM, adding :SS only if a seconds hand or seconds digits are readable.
11:37
